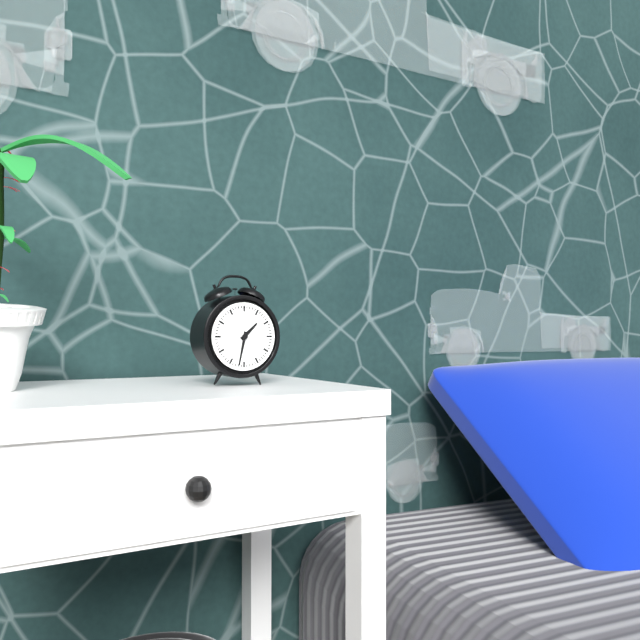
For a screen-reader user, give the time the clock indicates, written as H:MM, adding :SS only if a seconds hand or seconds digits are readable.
1:32
